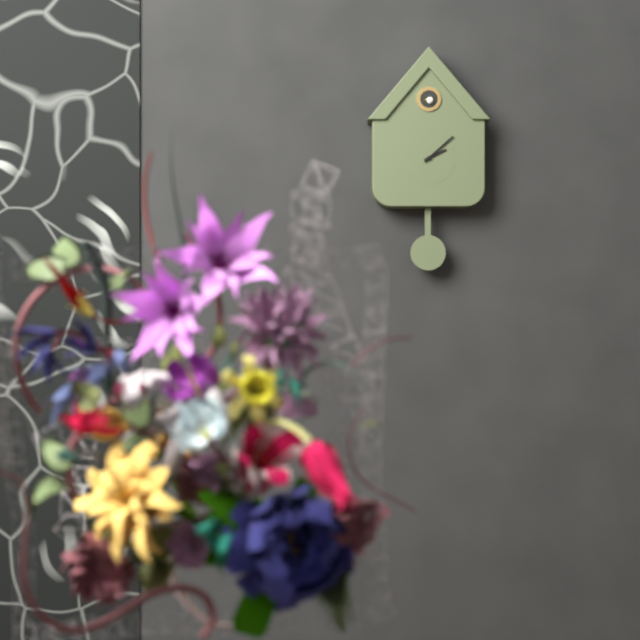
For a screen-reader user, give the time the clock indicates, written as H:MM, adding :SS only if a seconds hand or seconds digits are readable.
2:08
